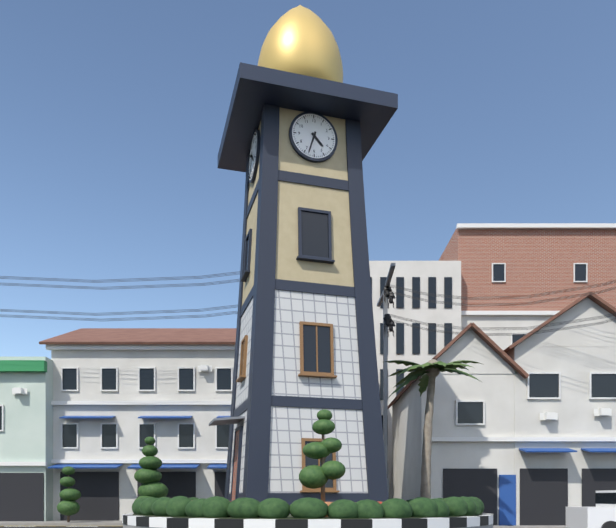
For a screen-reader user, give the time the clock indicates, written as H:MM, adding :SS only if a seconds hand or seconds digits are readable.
4:33
